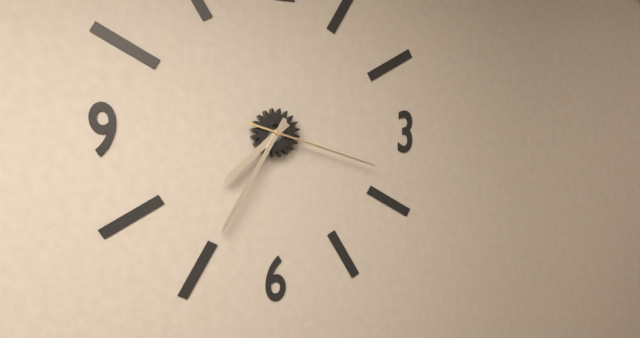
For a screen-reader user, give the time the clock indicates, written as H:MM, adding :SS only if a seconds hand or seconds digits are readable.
7:35:18
